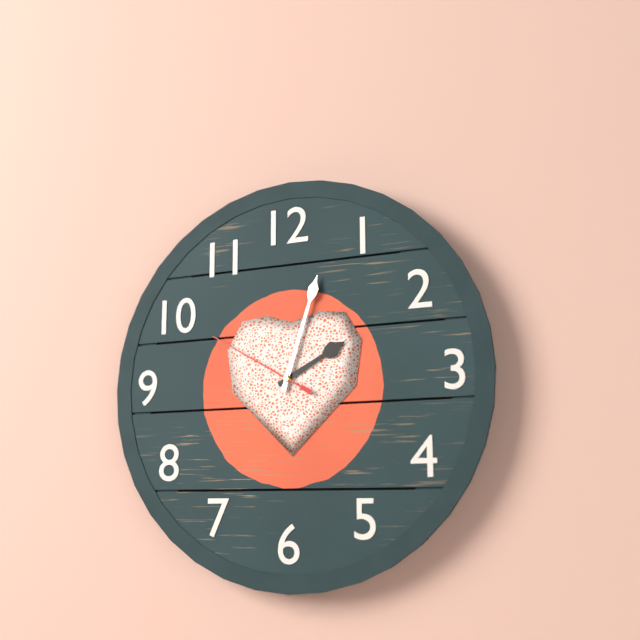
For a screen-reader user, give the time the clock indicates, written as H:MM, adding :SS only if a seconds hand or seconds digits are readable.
2:03:50
